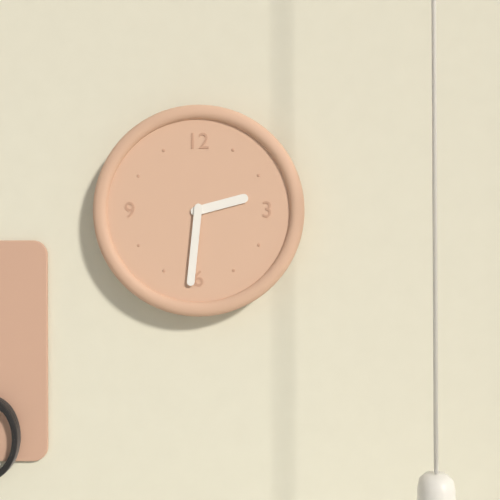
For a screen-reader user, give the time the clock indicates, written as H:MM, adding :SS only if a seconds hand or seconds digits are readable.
2:31
